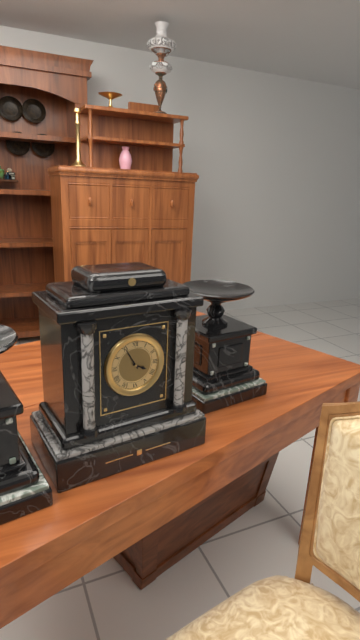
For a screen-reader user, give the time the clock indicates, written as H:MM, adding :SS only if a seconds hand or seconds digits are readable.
3:55
